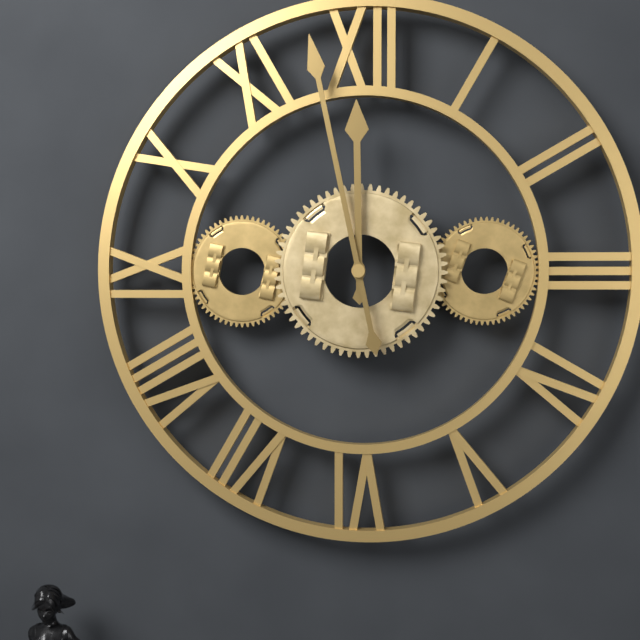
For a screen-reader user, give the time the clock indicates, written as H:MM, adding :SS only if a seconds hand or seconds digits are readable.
11:58
